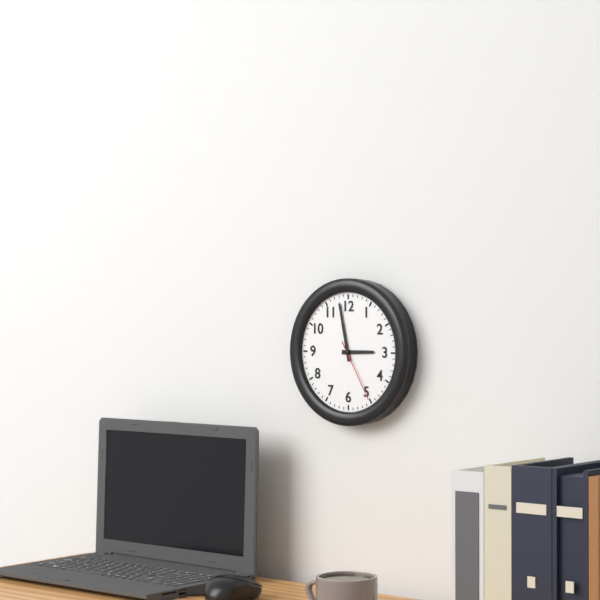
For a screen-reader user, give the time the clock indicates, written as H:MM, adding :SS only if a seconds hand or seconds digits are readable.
2:58:25
